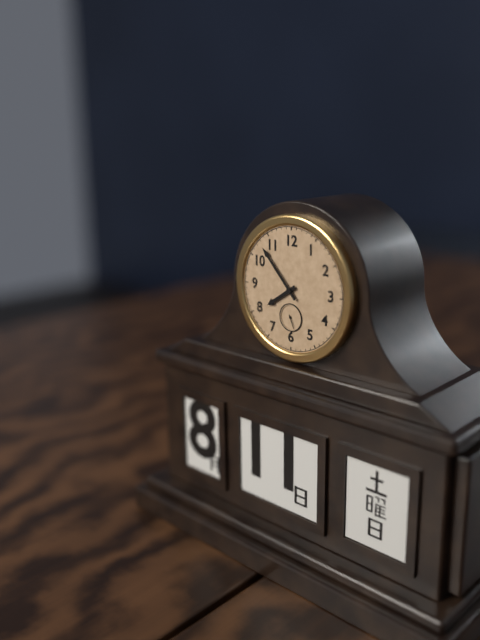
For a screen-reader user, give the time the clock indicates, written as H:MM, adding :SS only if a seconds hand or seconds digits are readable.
7:53
